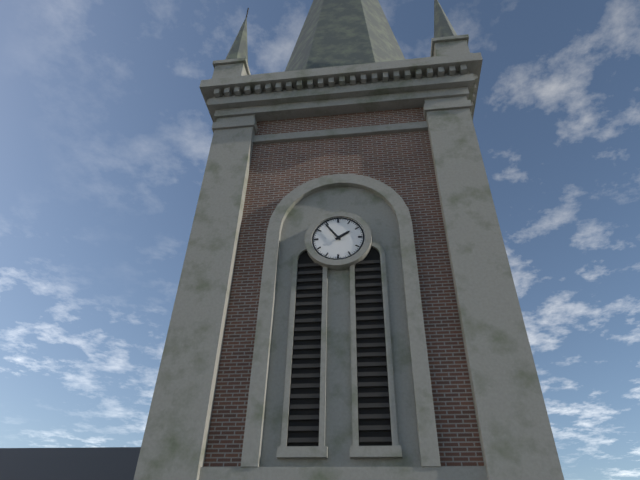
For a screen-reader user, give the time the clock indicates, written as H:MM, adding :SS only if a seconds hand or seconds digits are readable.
1:54
